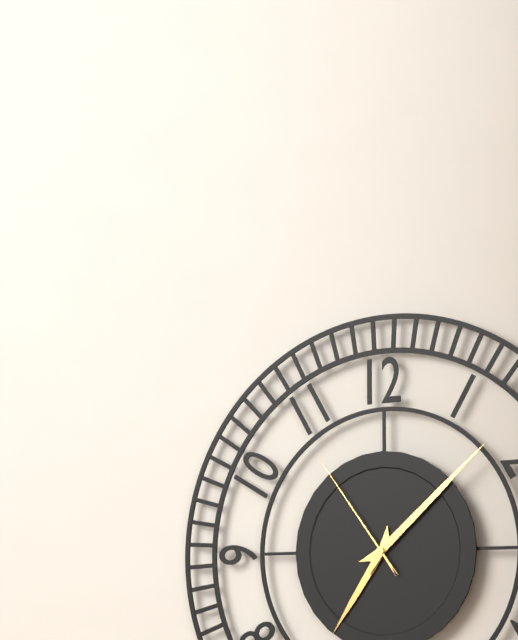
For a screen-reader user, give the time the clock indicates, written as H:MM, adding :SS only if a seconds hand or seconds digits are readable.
7:08:54
